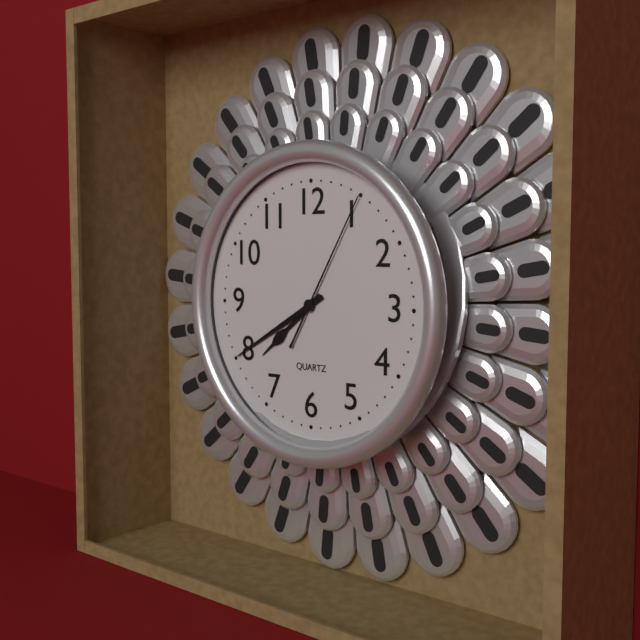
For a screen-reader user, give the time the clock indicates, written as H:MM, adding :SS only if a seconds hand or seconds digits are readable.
7:40:05
